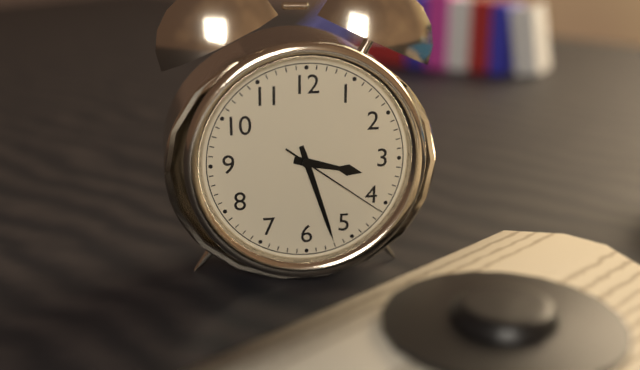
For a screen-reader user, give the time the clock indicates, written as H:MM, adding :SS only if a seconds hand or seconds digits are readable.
3:27:21
